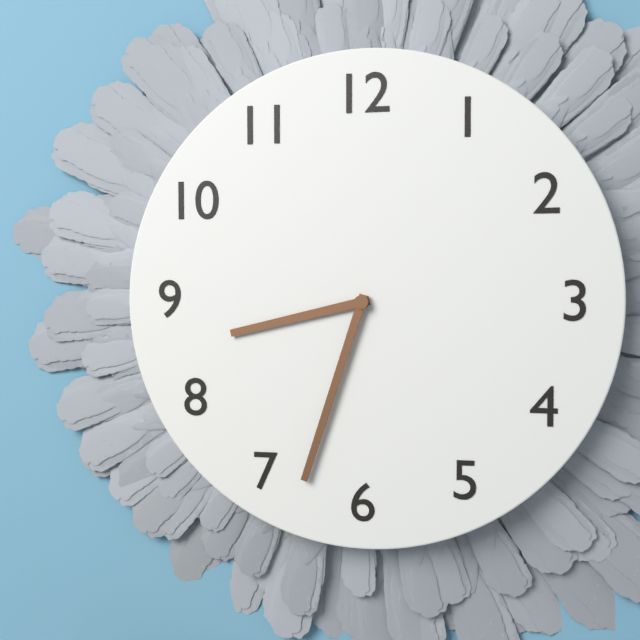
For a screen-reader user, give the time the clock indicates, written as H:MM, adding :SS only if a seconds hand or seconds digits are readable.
8:33
